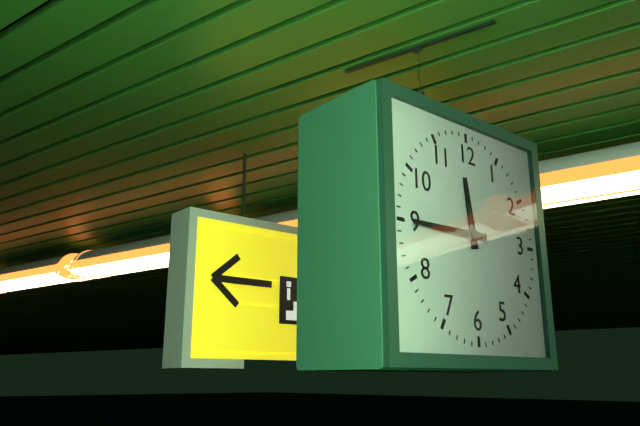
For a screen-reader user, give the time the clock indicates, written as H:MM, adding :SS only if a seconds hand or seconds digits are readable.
11:45
